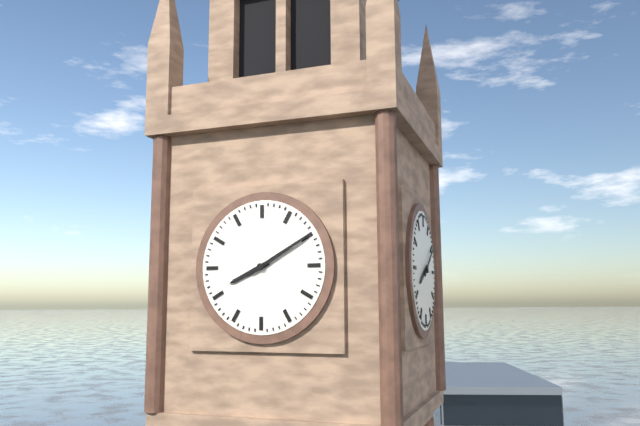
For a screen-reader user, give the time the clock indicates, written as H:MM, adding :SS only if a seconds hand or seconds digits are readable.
8:10
